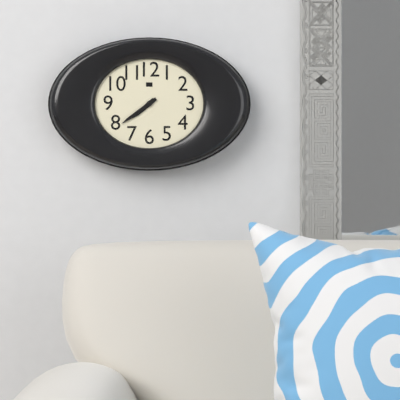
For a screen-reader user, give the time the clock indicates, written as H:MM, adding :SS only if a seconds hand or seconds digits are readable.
7:39
